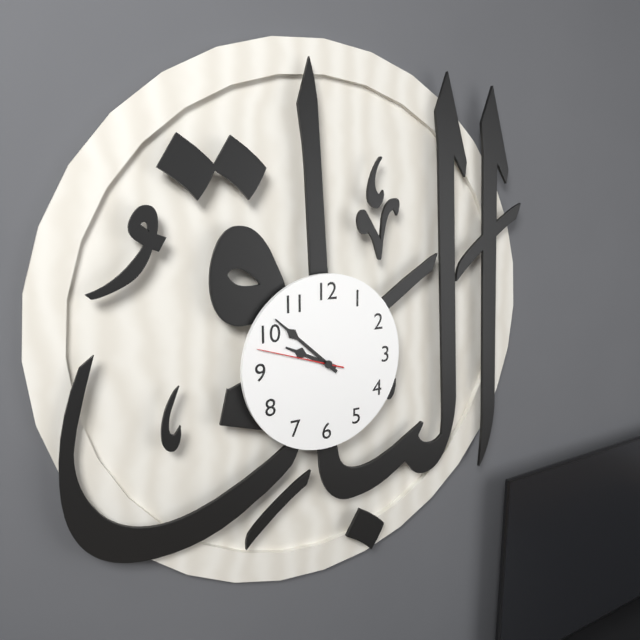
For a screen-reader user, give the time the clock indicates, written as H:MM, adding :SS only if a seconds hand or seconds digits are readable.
9:52:48
